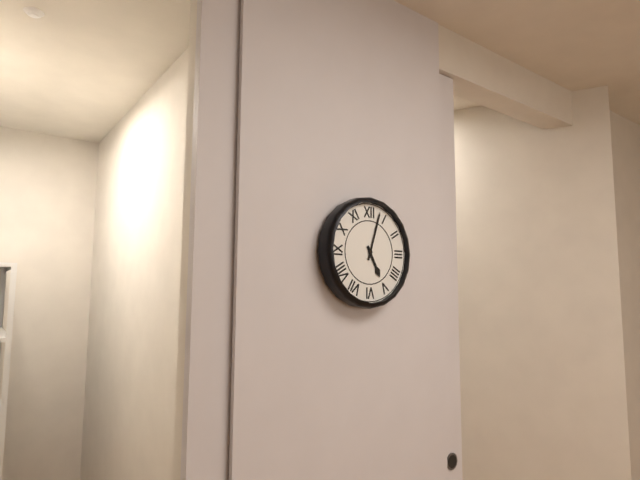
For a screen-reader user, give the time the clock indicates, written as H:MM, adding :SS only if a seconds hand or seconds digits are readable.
5:03
